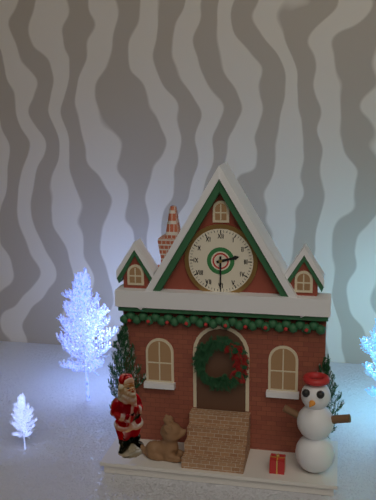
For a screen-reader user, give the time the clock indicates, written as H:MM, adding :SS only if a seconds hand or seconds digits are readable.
2:30
